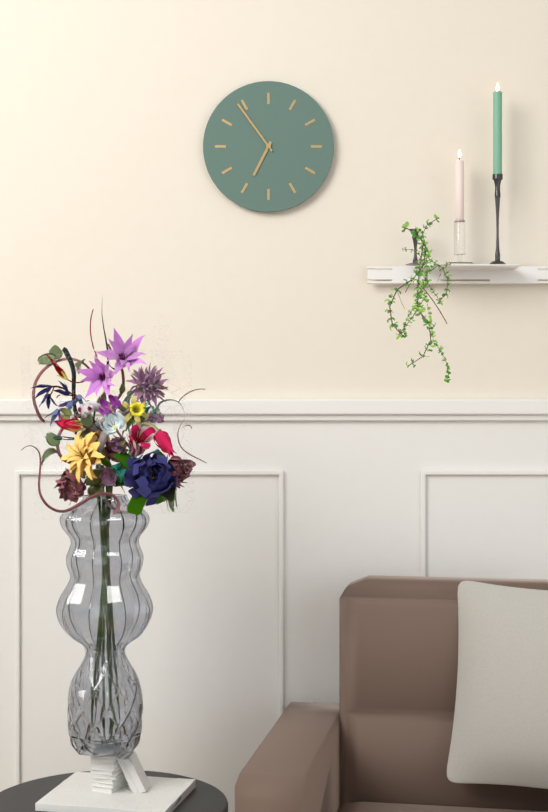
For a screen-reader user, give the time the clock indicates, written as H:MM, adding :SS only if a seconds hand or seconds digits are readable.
6:54
